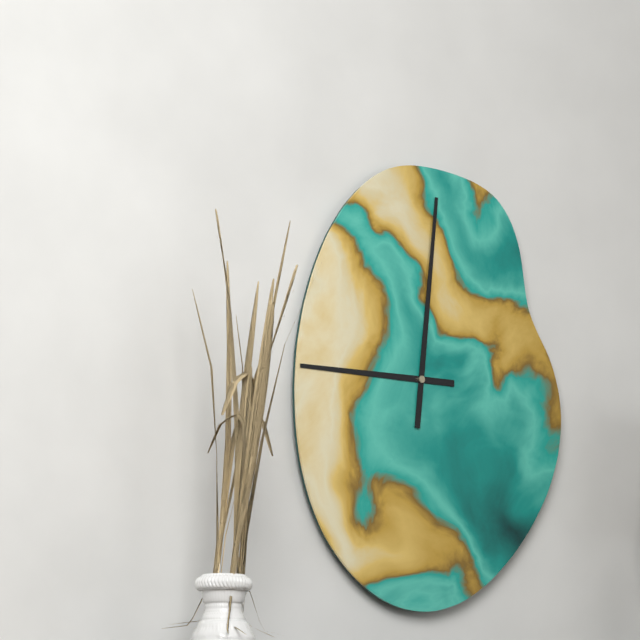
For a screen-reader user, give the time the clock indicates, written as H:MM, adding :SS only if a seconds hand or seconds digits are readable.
9:01
